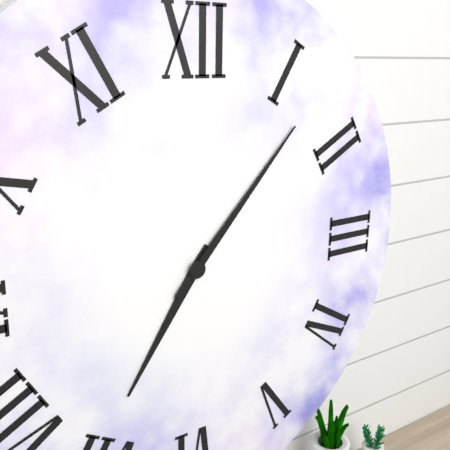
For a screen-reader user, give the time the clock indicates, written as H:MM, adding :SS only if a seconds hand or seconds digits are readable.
7:07
